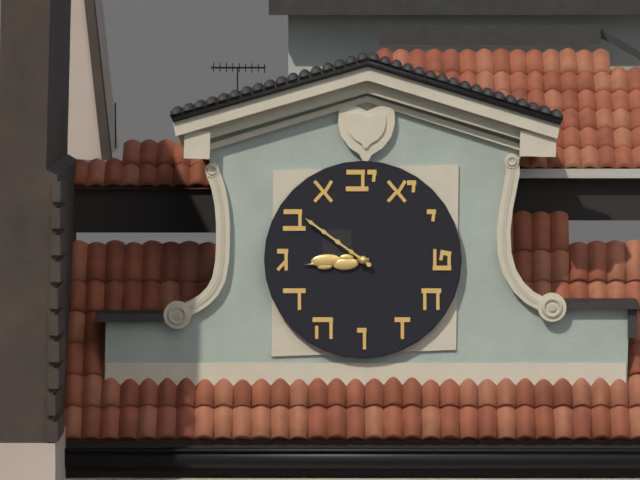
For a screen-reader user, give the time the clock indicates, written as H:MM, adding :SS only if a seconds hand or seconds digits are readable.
8:51
